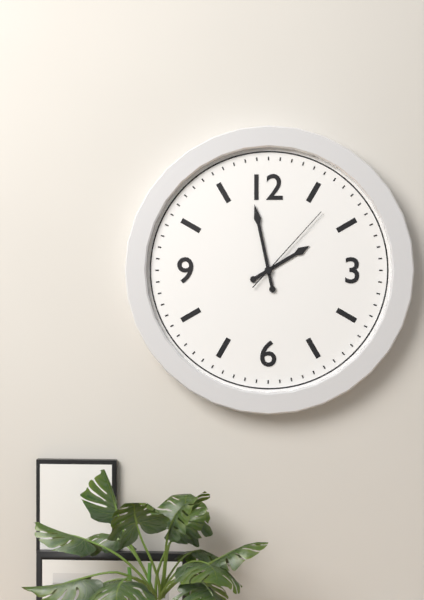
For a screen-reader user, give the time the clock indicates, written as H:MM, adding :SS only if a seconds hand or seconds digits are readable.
1:58:07
